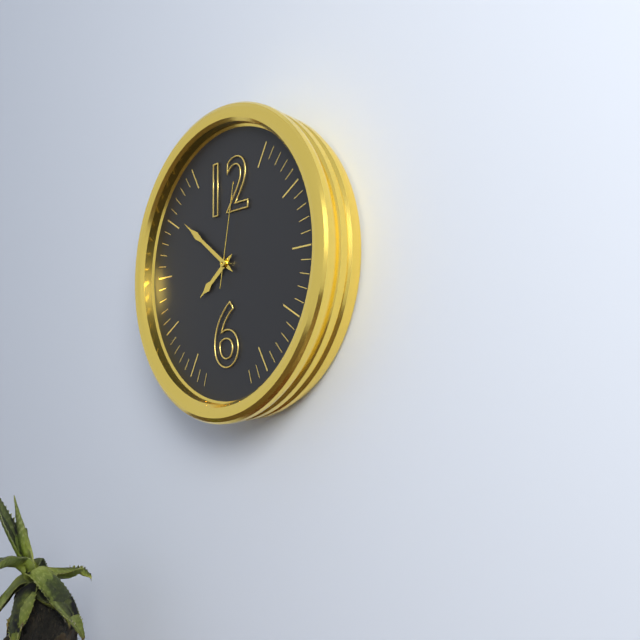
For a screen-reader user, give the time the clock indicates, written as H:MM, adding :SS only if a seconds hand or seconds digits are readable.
7:51:02
